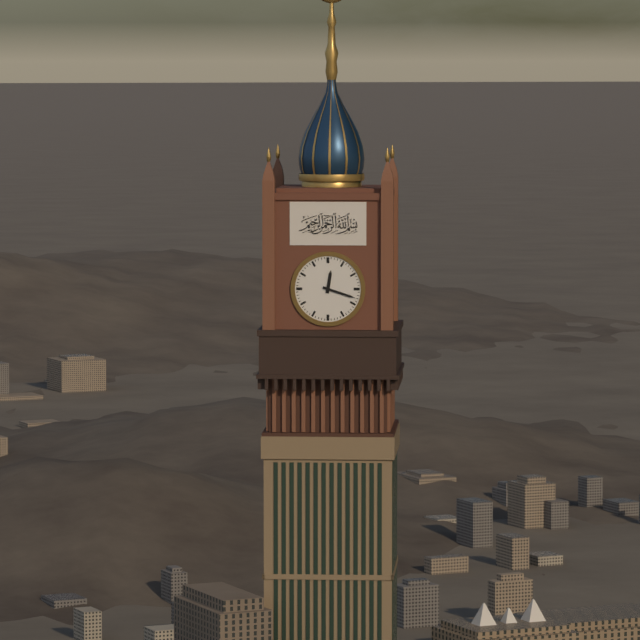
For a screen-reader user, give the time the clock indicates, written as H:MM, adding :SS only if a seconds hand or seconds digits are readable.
12:18
